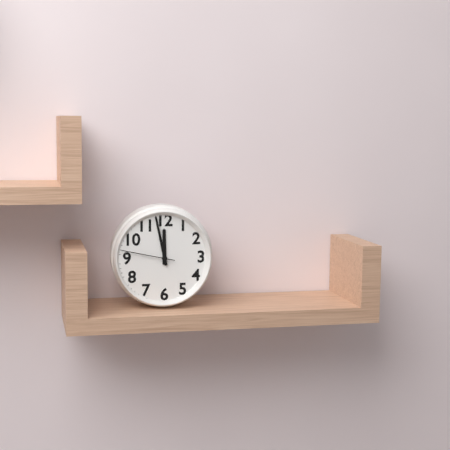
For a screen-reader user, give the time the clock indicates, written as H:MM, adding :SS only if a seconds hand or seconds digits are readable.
11:58:47
